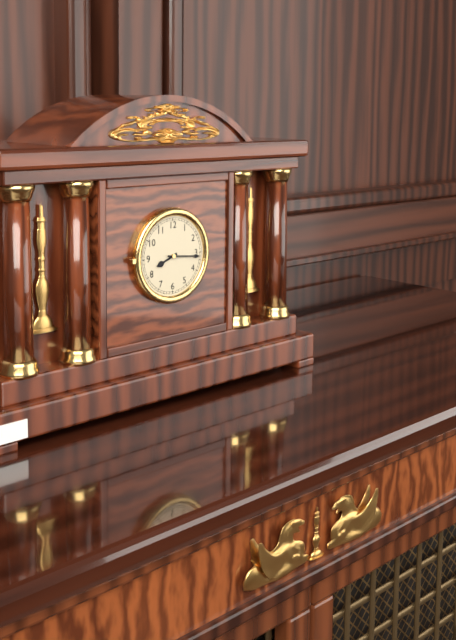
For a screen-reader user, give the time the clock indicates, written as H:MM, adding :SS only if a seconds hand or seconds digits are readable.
8:16
